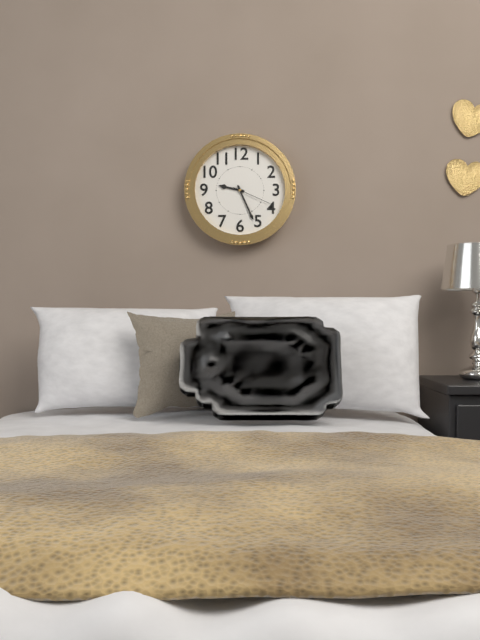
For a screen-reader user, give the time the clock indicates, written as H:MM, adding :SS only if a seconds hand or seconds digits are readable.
9:26
